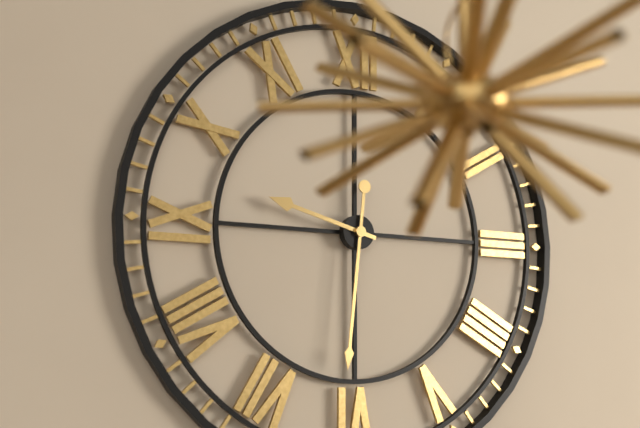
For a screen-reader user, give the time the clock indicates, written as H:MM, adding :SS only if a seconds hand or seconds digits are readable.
9:31
